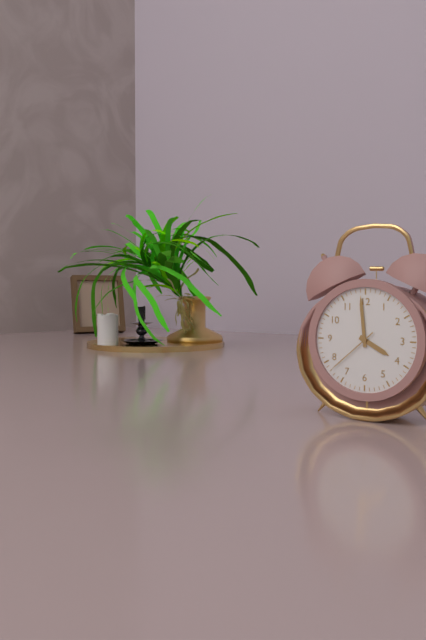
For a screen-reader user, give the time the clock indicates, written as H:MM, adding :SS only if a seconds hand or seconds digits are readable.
3:59:38
